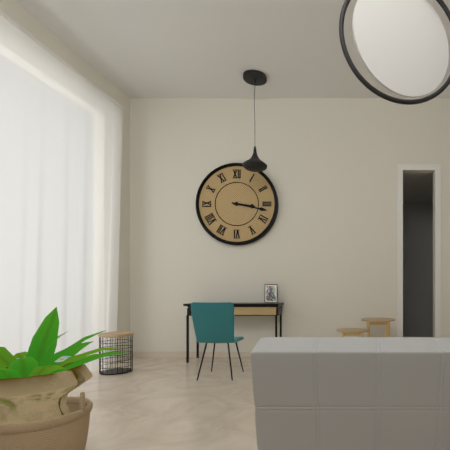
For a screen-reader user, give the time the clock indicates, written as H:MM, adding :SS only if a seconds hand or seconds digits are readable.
3:17
